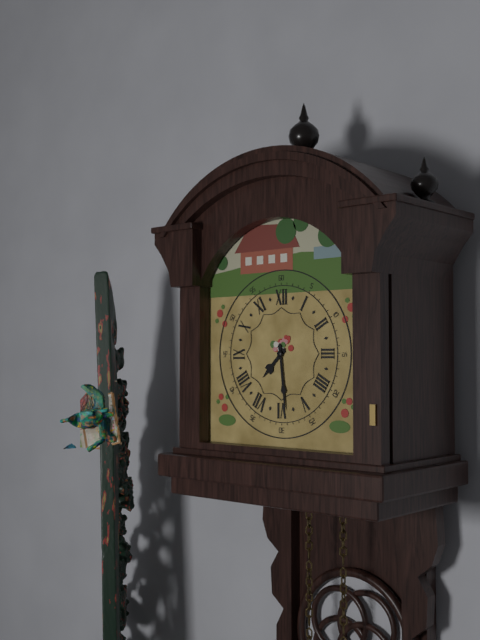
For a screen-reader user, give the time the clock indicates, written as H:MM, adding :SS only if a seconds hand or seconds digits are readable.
7:29
